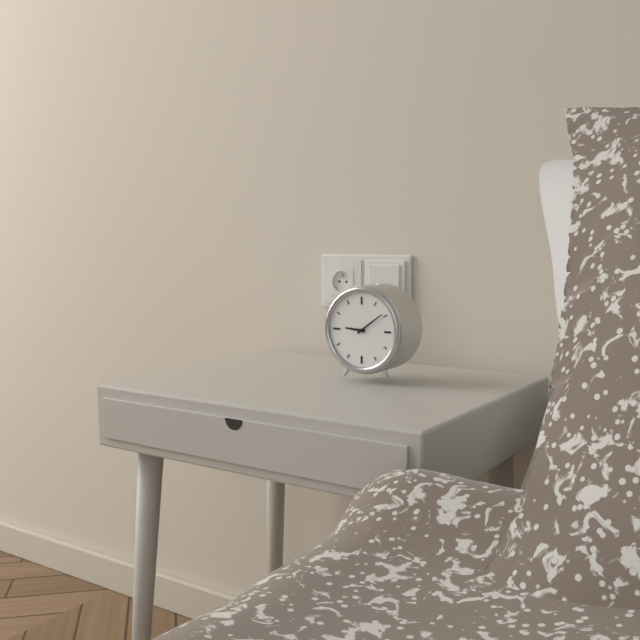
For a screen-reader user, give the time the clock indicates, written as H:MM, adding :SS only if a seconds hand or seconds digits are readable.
9:09
